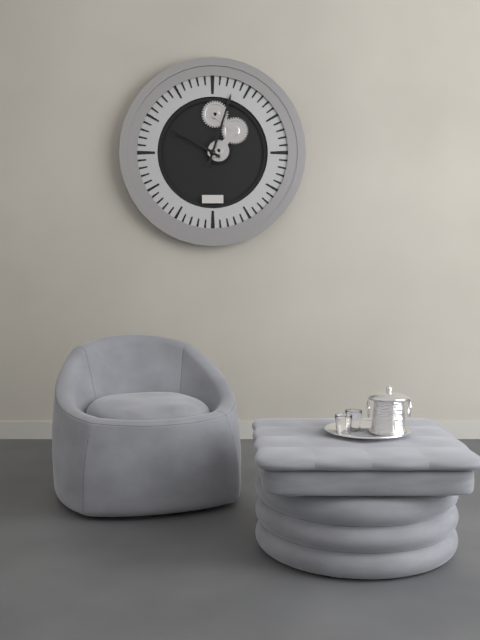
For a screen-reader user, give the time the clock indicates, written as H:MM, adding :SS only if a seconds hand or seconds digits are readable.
10:03
